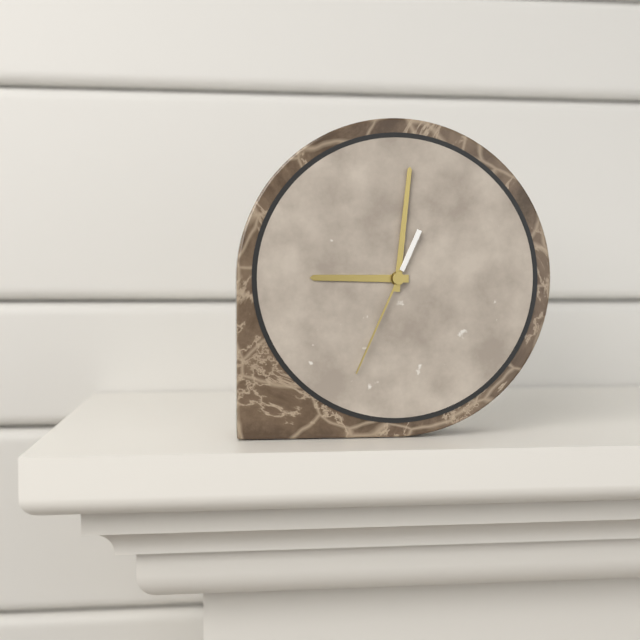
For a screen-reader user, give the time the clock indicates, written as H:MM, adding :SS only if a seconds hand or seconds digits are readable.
9:01:34
